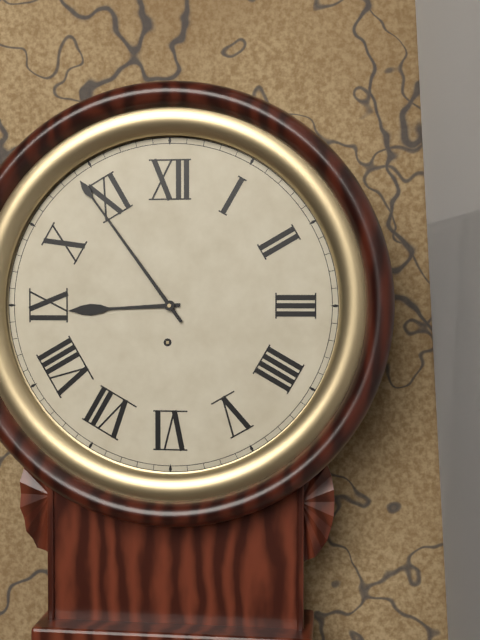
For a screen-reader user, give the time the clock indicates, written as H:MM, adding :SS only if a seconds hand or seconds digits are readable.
8:54
